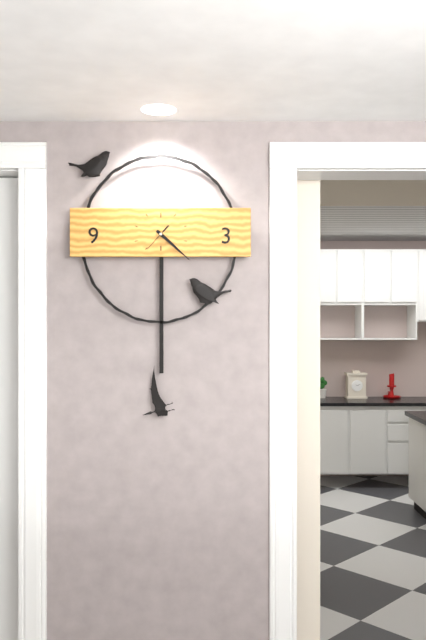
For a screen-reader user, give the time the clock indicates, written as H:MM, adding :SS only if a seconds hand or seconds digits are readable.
4:22
